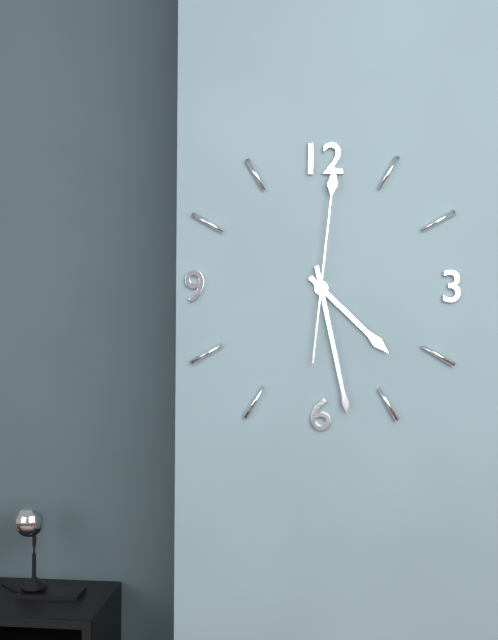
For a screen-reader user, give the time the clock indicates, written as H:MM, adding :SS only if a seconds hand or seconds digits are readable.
4:28:01
